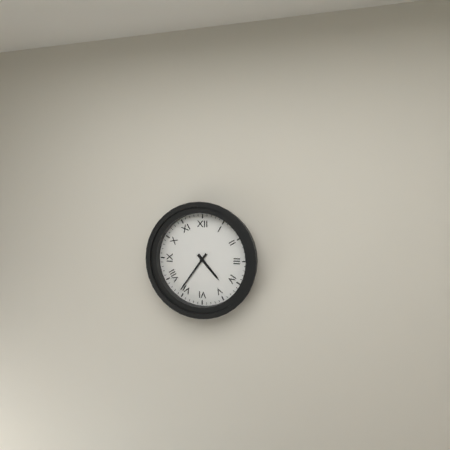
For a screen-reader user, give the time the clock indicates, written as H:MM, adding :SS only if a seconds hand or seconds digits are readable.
4:36
